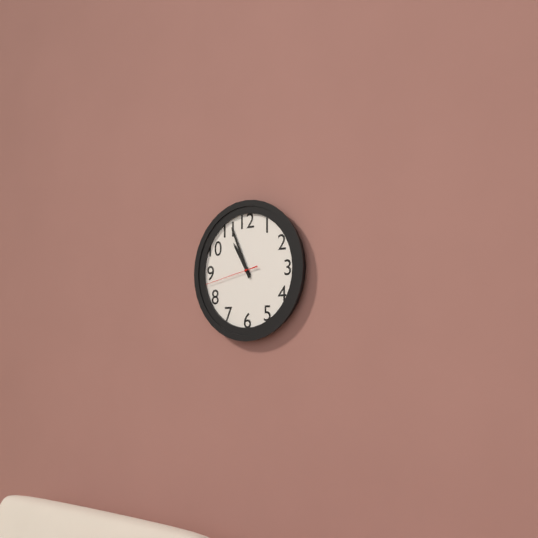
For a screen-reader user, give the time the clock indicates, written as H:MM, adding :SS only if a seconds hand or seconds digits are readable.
10:56:43
